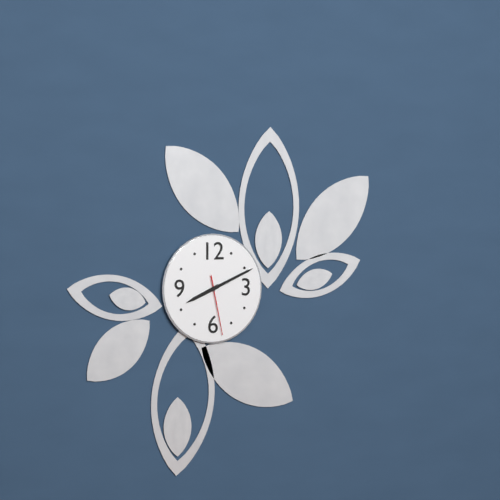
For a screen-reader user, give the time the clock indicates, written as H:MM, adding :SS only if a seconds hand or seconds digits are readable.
8:11:28
